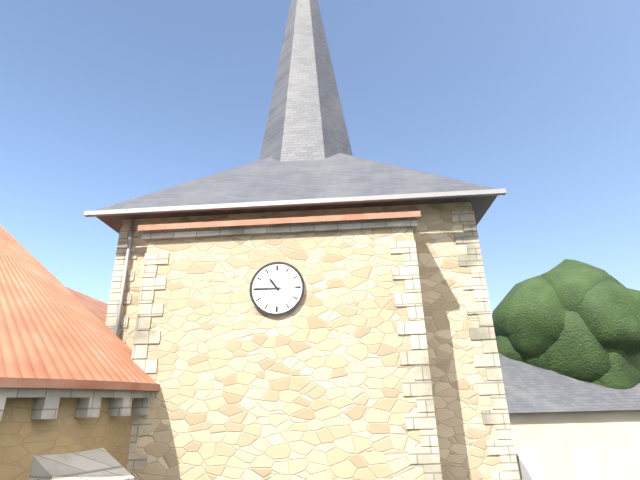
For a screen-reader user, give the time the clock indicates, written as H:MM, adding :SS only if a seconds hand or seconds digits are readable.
10:45
